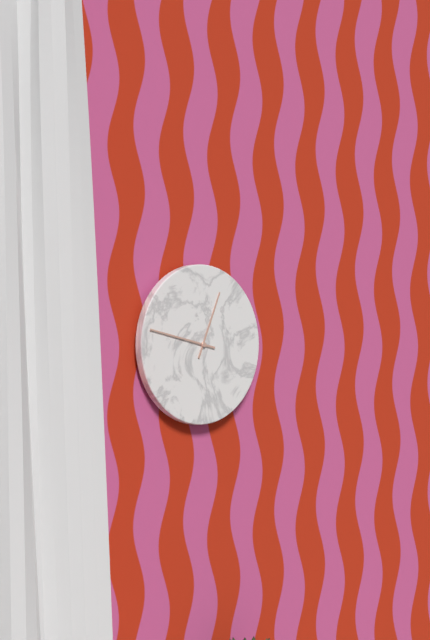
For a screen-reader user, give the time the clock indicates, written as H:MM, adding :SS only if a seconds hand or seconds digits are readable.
12:47
